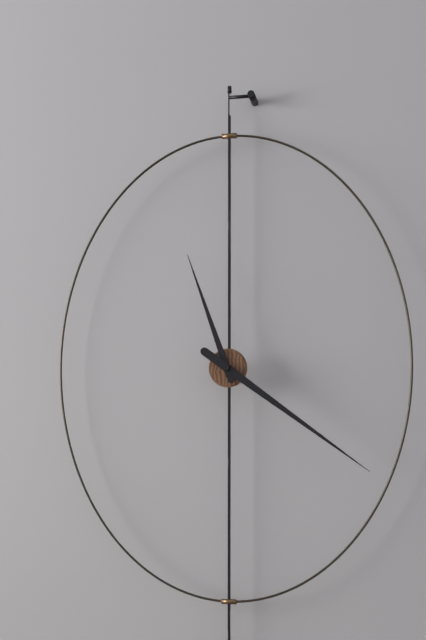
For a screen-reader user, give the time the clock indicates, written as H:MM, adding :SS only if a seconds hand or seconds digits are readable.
11:21
